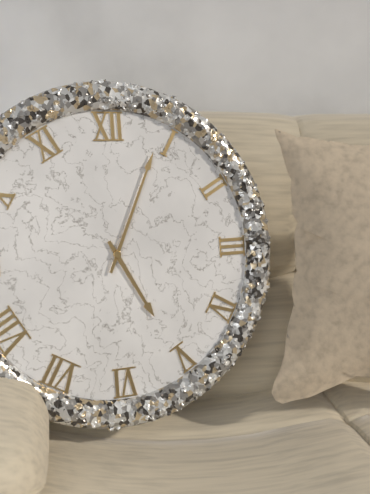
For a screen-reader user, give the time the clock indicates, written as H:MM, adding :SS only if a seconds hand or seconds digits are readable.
5:04
